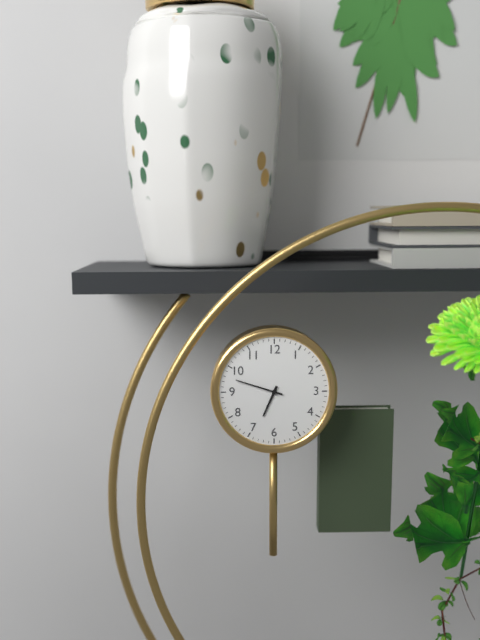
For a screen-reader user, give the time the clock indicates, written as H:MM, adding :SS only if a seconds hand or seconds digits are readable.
6:48
